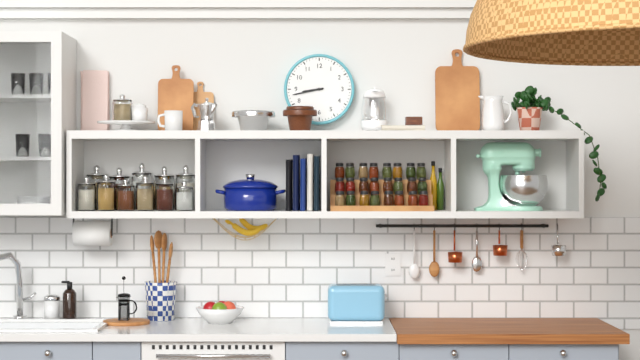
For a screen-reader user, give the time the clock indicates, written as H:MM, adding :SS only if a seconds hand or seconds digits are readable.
8:43
